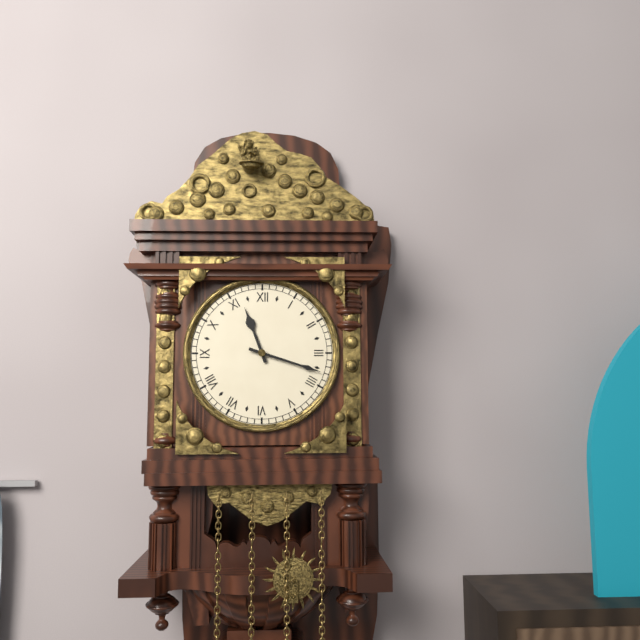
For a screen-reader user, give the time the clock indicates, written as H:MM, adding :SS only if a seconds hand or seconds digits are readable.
11:18
